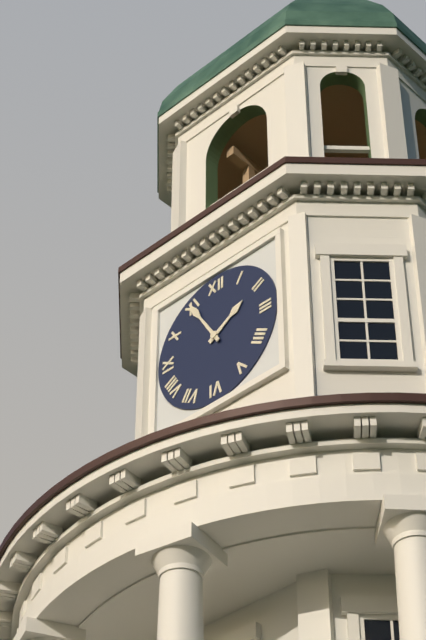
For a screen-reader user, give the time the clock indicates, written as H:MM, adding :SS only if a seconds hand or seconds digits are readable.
1:55
